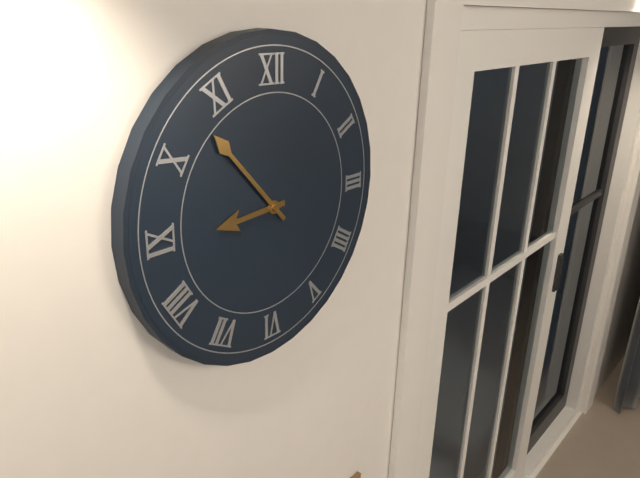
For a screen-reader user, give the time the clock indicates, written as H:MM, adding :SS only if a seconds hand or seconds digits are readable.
8:53
